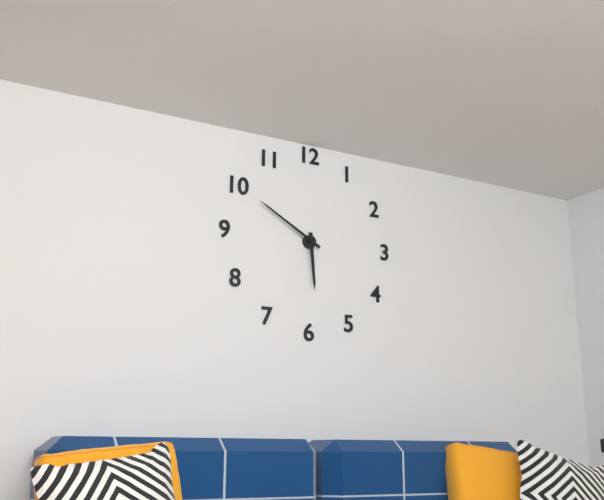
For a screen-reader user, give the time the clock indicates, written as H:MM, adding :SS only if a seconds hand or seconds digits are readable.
5:50
